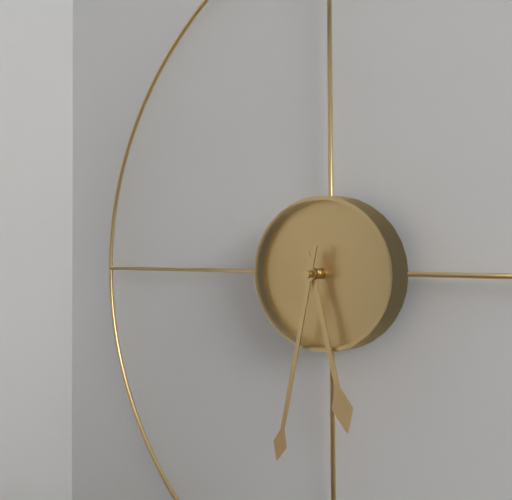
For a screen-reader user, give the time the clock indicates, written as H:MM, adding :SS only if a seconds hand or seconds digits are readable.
5:32
